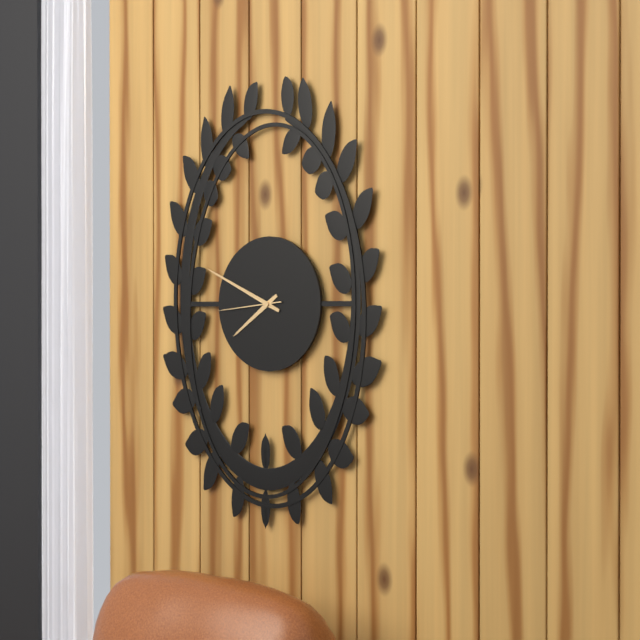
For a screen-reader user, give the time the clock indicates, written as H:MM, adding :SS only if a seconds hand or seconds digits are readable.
7:49:44
